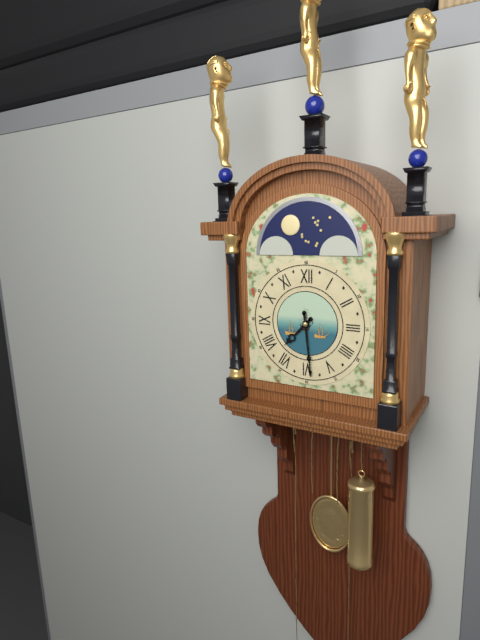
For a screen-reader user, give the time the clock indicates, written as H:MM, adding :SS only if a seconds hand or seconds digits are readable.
7:29
